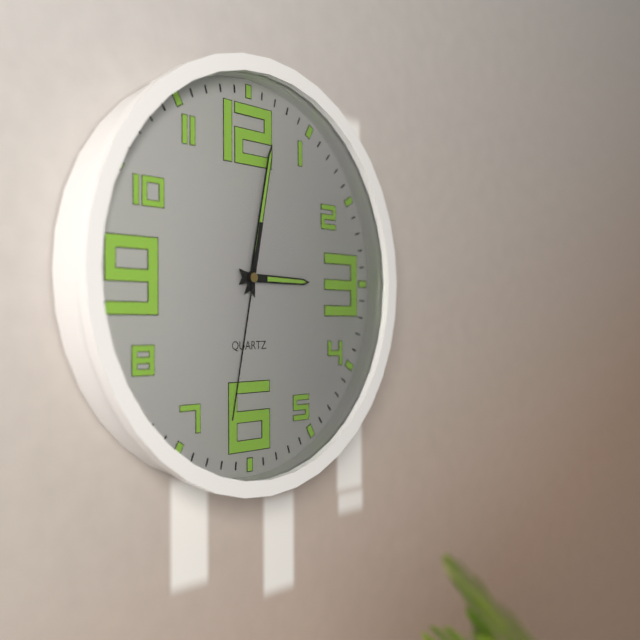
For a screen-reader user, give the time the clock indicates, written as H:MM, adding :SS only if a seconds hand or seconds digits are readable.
3:02:32
